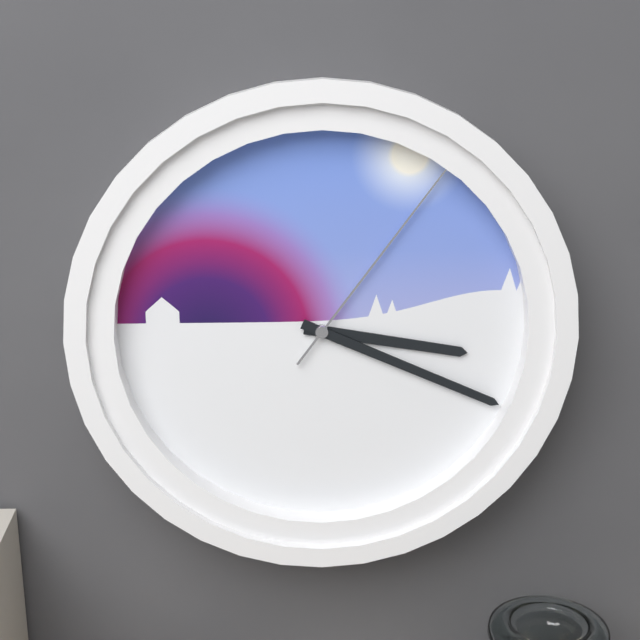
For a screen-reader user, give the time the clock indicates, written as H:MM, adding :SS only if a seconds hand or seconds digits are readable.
3:19:06
